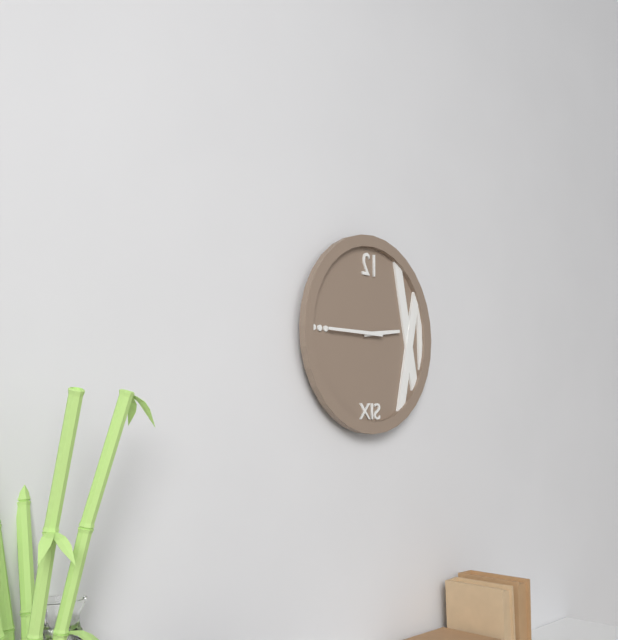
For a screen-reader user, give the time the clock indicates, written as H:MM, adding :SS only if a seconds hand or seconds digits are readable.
2:45
